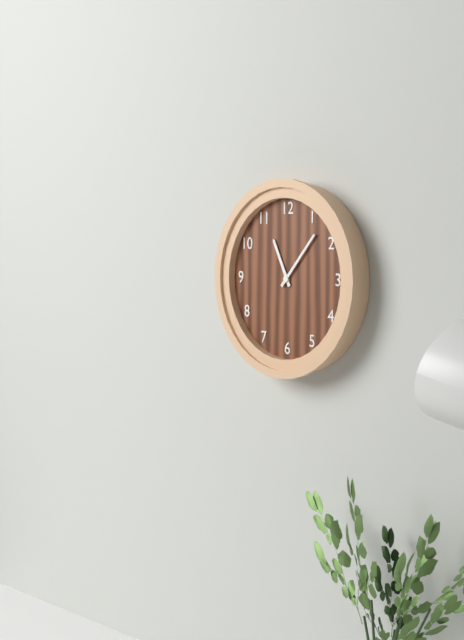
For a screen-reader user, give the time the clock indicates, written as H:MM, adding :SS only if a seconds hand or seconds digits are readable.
11:07
